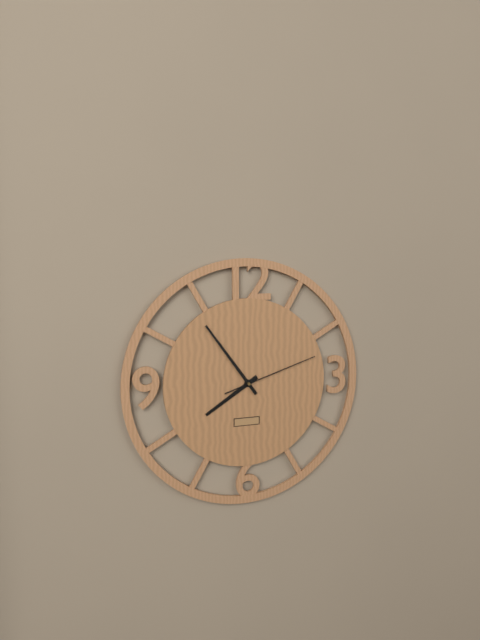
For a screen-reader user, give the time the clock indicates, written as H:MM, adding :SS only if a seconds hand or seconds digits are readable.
7:54:12
